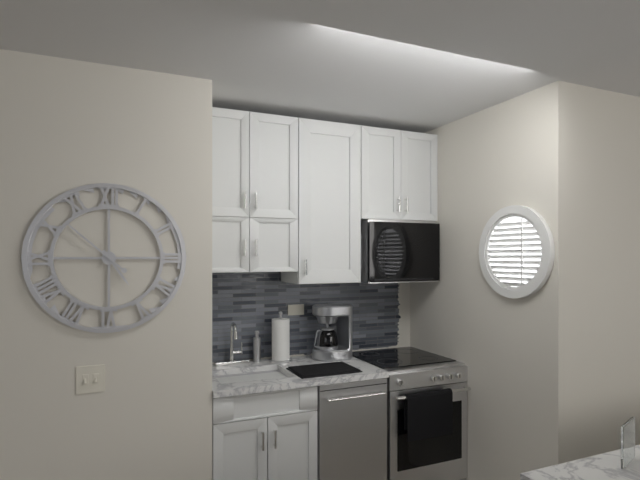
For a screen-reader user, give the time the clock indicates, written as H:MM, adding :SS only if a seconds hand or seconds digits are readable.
4:52
